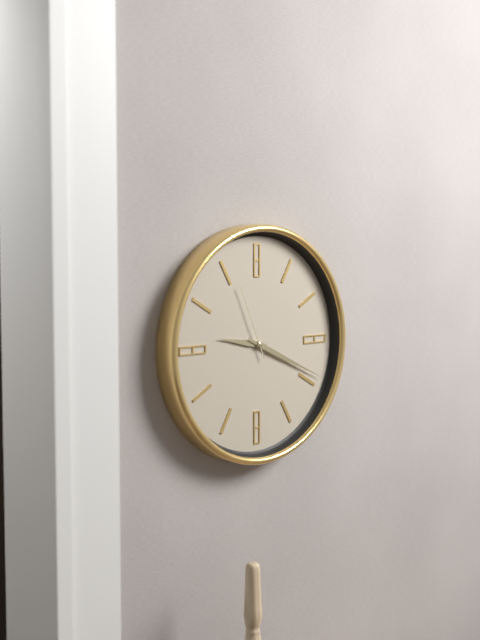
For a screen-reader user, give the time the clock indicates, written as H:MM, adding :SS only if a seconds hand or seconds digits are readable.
9:19:56
